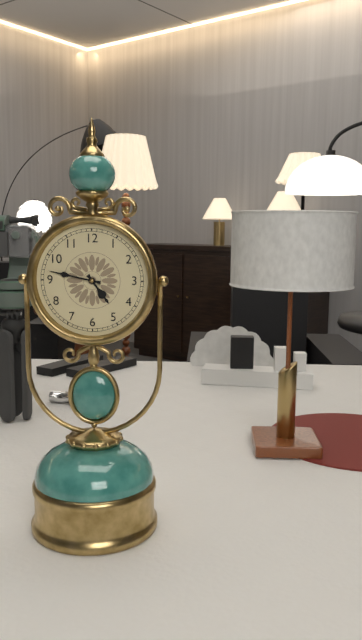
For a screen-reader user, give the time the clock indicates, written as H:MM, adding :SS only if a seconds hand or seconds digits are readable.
4:47
